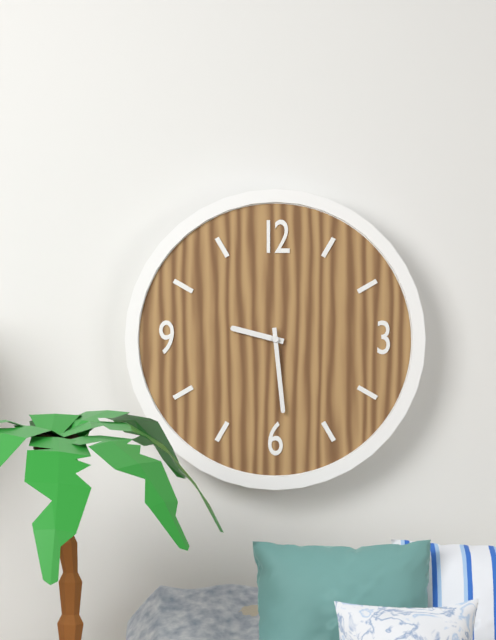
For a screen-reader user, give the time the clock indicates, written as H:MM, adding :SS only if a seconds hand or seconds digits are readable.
9:29
